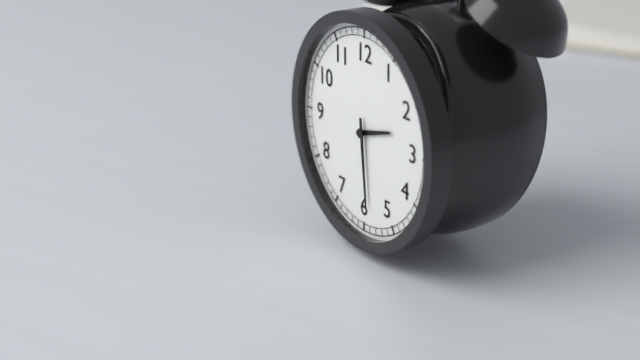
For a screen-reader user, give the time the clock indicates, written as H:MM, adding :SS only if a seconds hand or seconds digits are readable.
2:29
